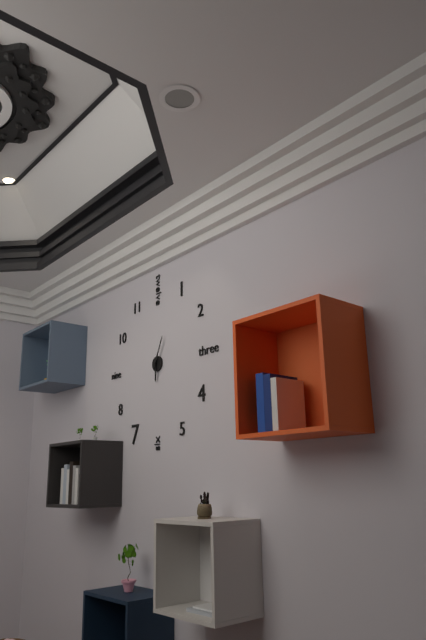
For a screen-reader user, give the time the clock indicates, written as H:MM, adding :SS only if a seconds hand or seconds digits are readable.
6:04
